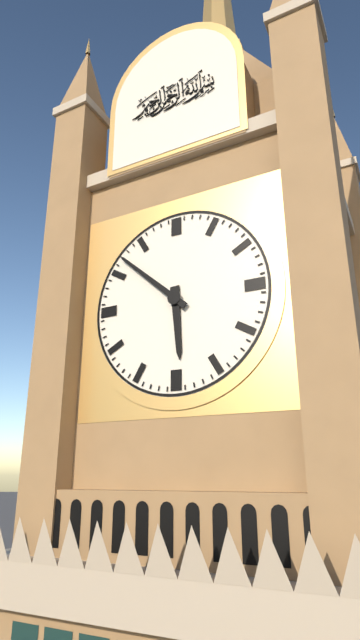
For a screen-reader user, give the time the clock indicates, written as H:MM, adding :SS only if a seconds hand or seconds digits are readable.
5:52
